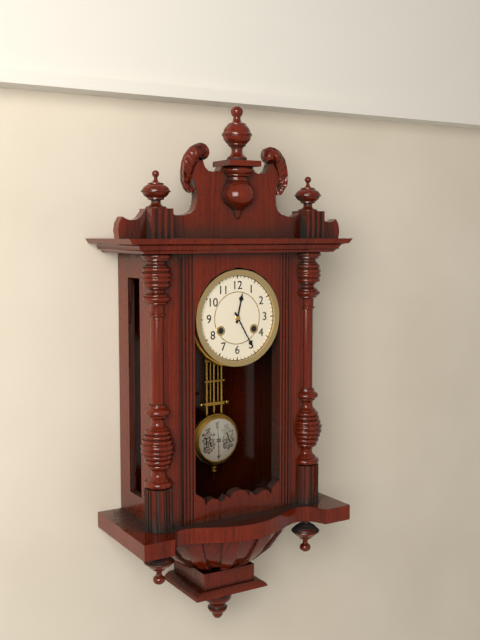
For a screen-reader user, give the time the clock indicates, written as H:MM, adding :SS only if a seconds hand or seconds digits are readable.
12:25
